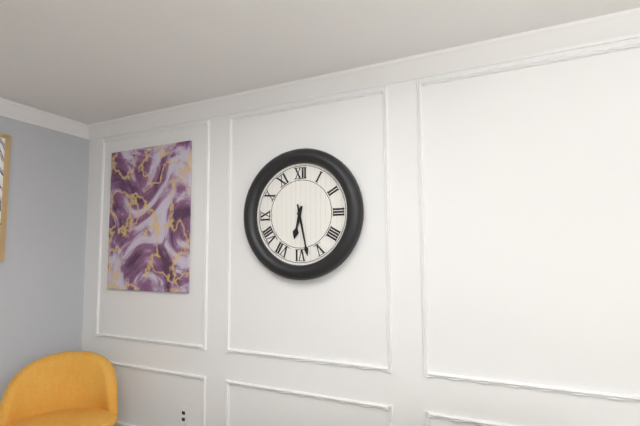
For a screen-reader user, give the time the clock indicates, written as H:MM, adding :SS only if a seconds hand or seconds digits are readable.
6:28
